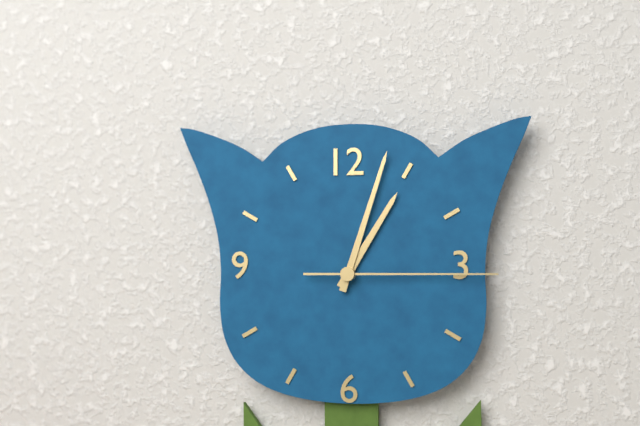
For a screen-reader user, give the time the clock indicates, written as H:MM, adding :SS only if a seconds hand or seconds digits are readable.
1:03:15
